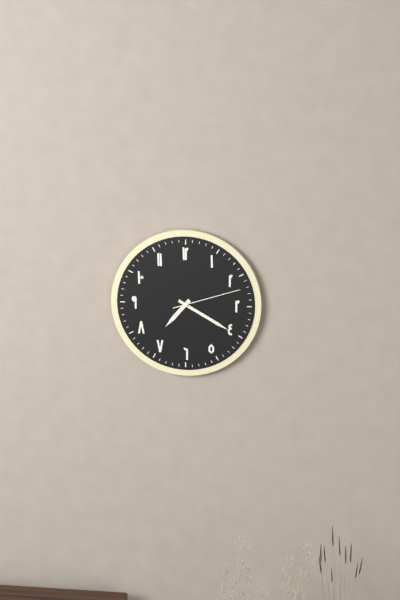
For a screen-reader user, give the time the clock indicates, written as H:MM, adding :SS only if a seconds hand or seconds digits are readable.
7:20:12
